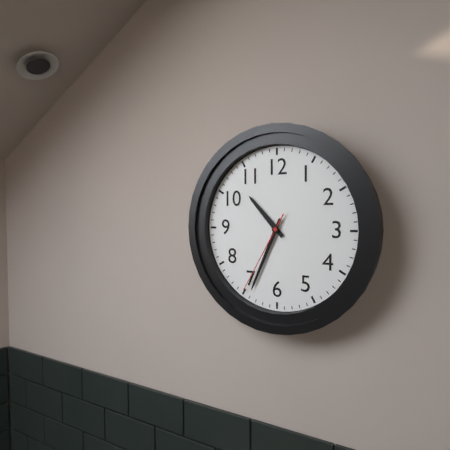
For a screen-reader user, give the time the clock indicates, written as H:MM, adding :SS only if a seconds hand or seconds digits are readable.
10:34:35
